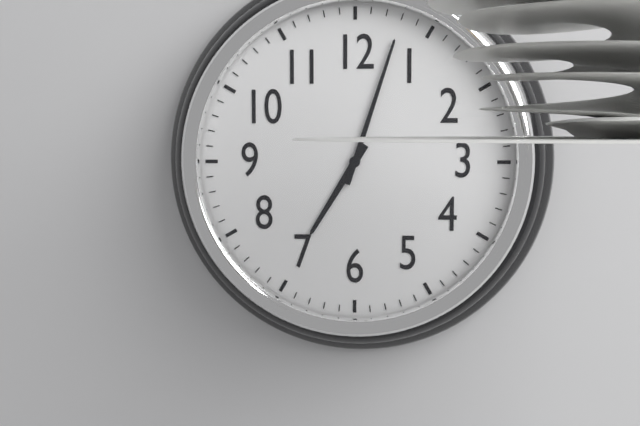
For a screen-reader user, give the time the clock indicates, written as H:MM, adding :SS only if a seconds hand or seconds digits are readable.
7:03
